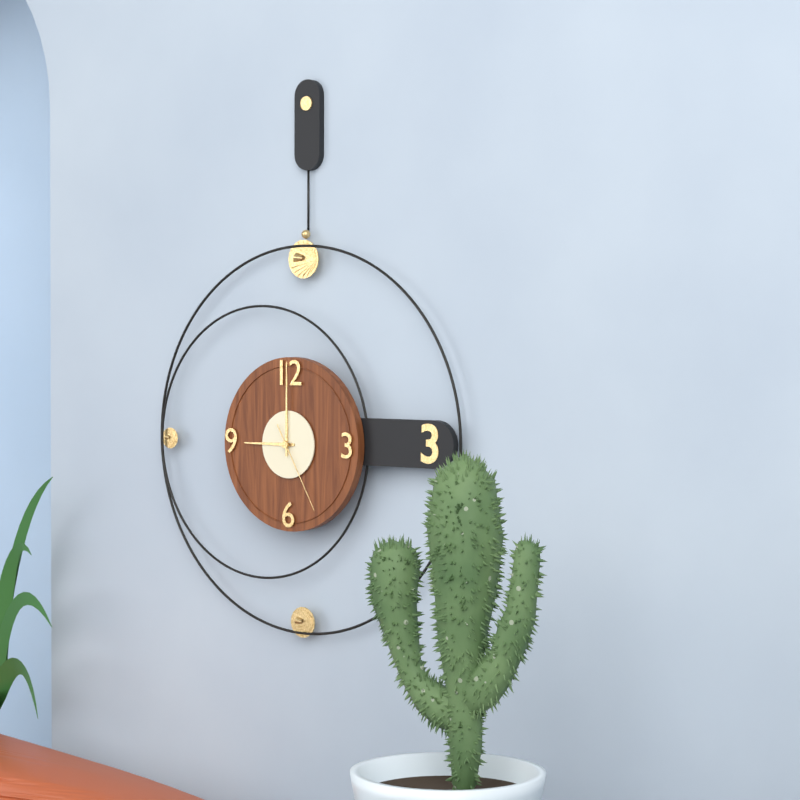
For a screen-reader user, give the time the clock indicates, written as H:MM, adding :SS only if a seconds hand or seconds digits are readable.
9:00:25
